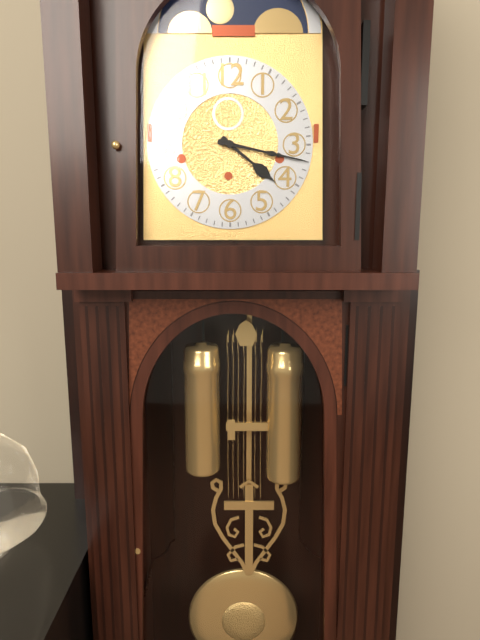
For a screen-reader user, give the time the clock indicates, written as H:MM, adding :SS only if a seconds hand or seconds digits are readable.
4:17
